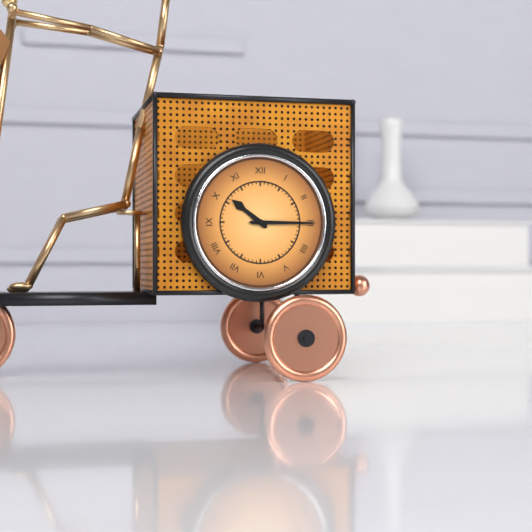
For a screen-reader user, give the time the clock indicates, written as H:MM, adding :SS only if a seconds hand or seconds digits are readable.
10:15
